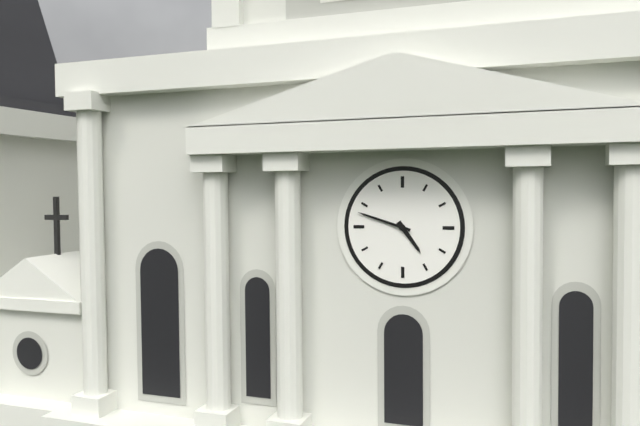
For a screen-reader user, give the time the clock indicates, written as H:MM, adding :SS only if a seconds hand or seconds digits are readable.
4:48
